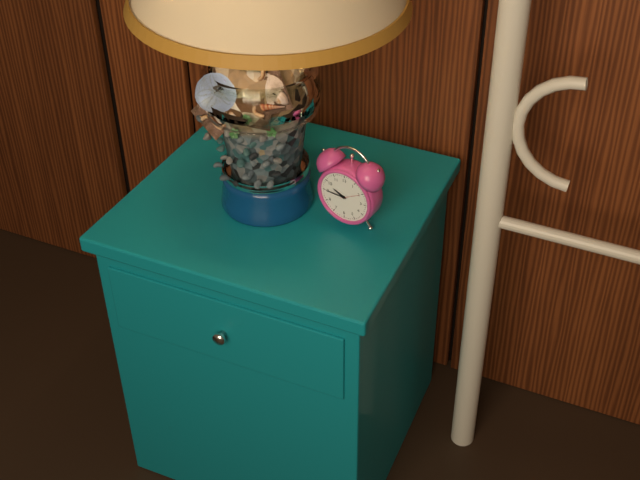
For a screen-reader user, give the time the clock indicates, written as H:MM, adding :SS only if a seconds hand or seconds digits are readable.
9:45
